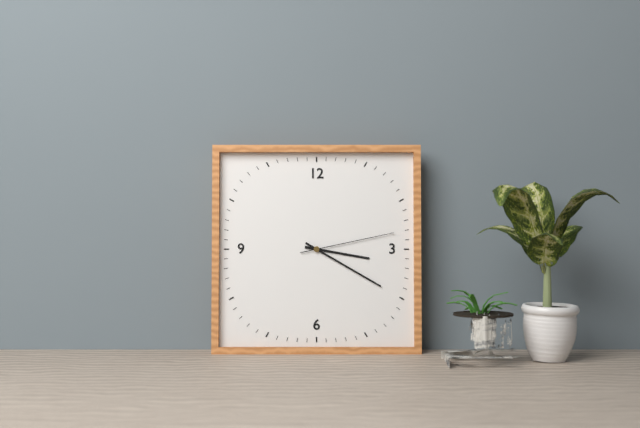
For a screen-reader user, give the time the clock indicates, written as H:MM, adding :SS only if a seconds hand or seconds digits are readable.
3:20:13
